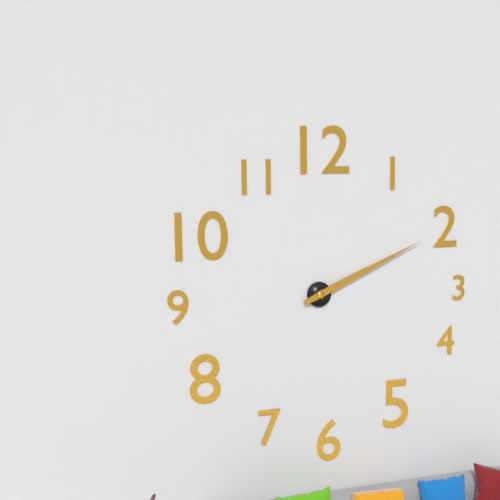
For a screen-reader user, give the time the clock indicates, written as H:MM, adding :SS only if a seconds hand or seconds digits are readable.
2:11
